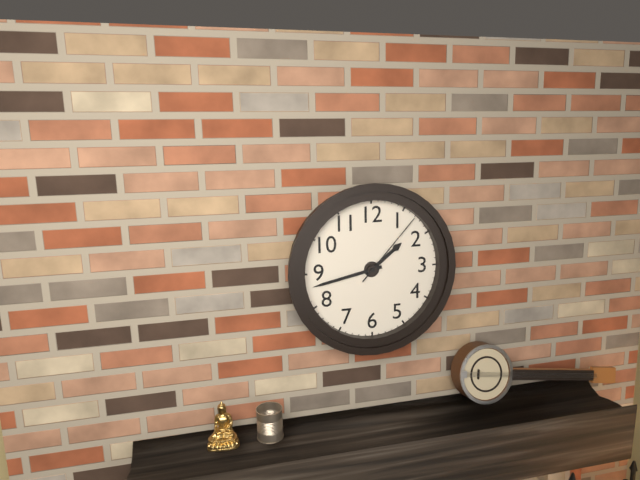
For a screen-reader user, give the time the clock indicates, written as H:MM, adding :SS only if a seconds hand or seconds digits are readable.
1:43:07
